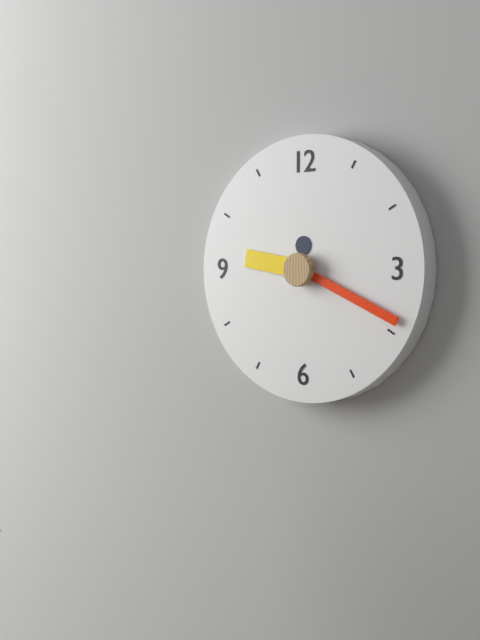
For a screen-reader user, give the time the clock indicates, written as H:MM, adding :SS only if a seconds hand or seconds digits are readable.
9:19
